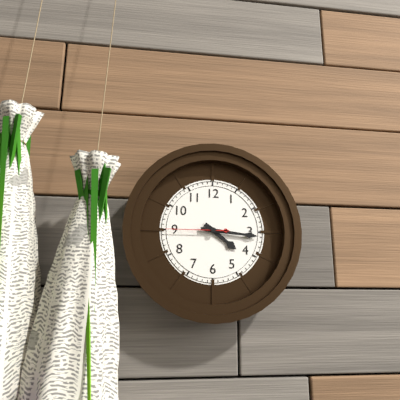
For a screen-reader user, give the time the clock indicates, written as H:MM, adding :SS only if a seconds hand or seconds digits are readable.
4:16:45
